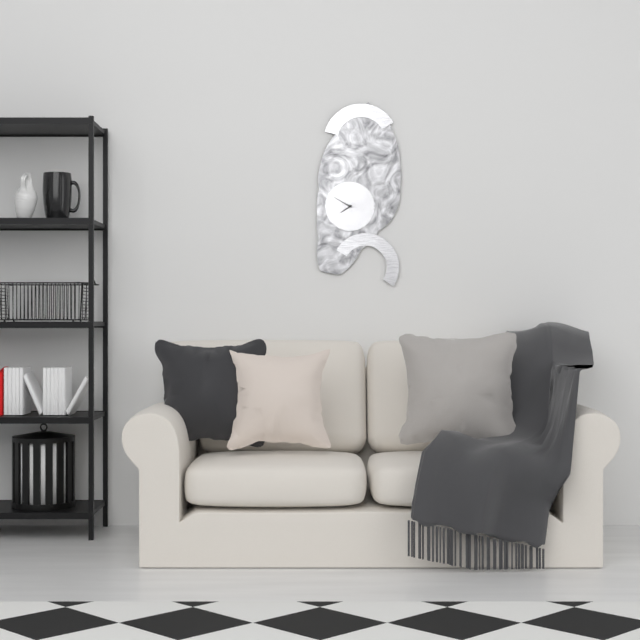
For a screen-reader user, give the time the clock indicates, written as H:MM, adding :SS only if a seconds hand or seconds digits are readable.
7:50
